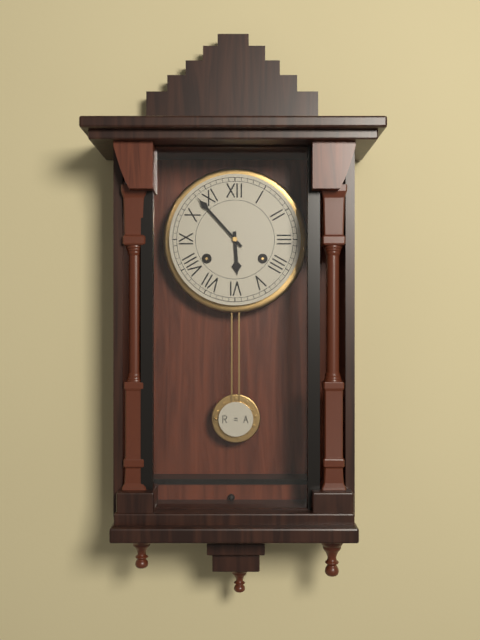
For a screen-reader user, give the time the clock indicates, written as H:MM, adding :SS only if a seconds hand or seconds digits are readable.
5:53
